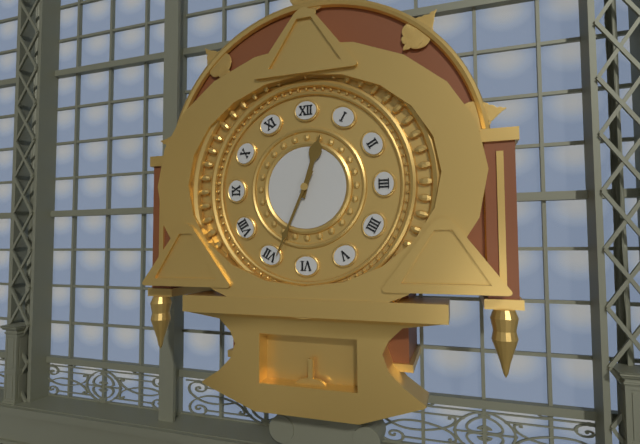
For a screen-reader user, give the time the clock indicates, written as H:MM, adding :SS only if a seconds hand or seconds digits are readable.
12:34
